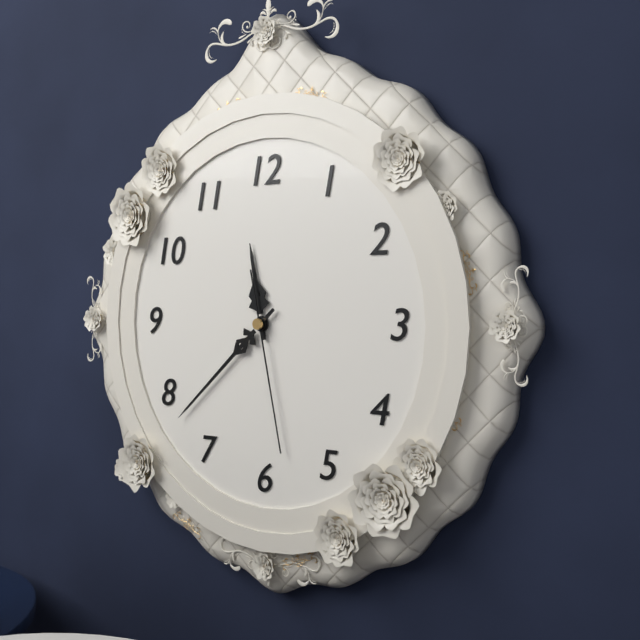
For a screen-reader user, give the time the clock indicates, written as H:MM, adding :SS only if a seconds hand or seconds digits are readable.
11:38:28
